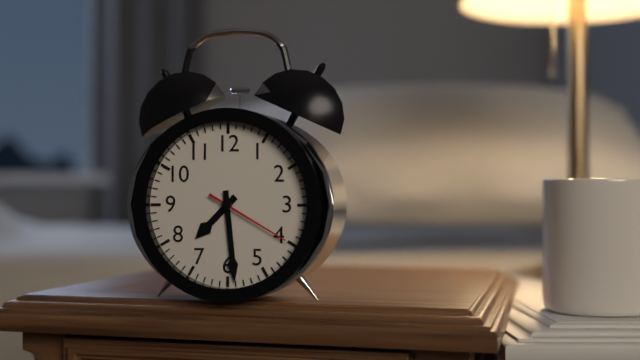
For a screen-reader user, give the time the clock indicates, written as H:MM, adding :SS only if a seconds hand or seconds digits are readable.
7:29:20
